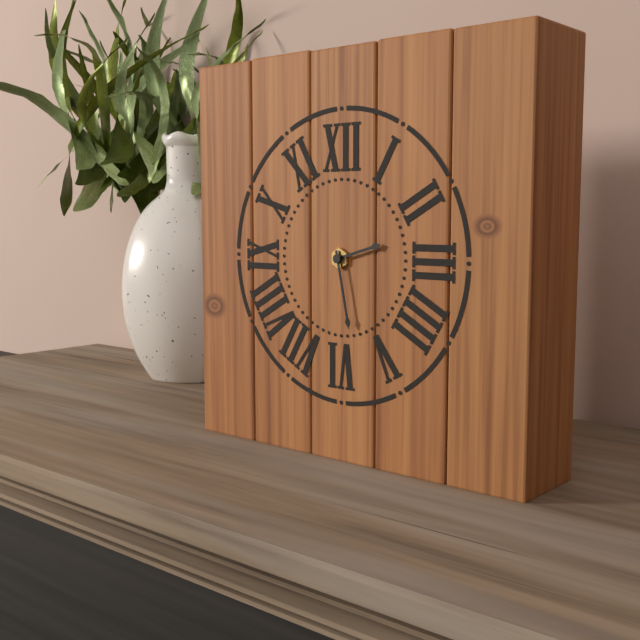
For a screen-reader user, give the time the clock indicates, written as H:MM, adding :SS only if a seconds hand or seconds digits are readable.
2:28
